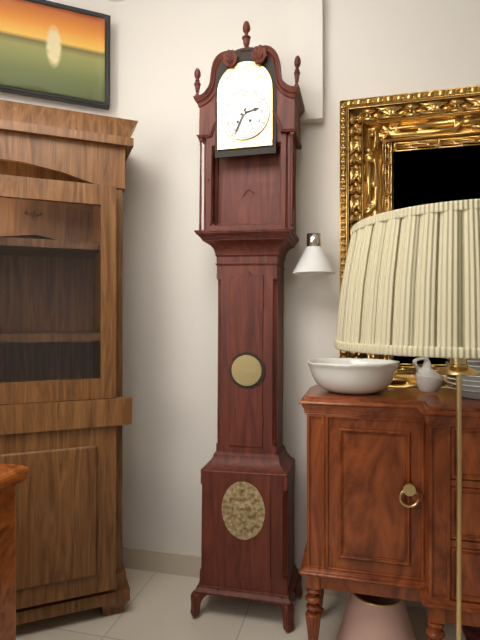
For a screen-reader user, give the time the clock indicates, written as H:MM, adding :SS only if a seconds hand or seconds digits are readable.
2:34
